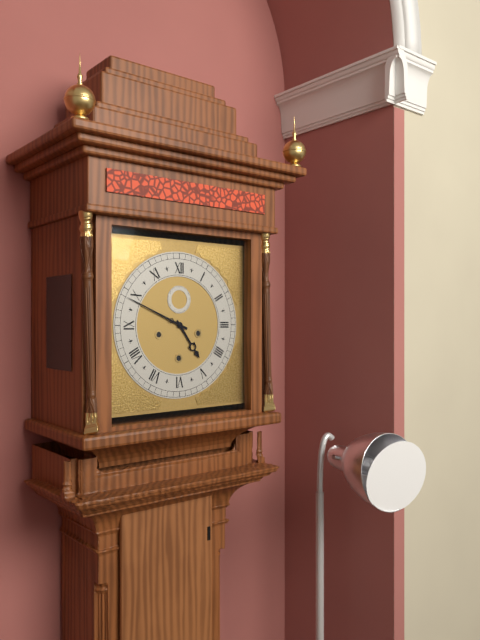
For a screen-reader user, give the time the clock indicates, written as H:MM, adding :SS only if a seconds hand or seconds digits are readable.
4:49
